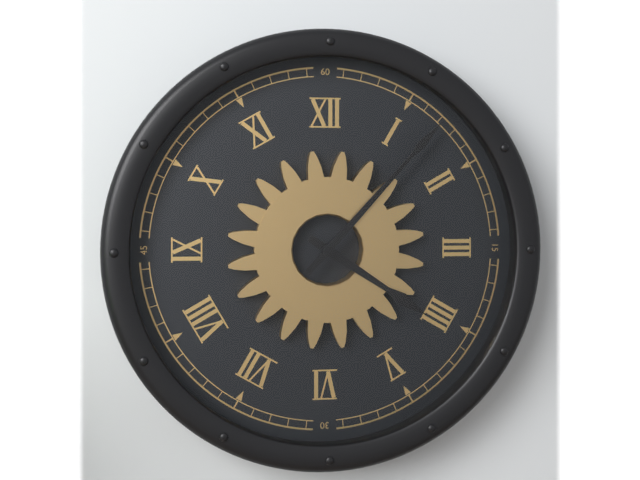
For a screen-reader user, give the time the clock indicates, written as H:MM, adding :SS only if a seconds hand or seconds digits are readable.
4:07
